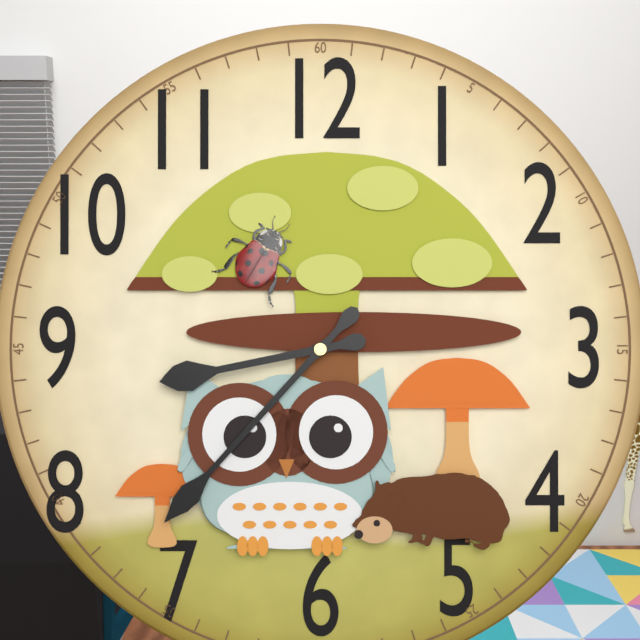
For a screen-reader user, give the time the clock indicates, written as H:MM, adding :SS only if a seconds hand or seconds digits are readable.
8:37
